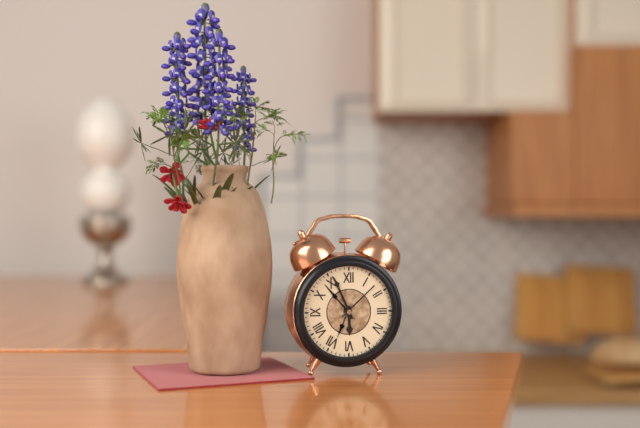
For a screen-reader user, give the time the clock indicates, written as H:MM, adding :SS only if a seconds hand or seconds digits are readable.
5:56
